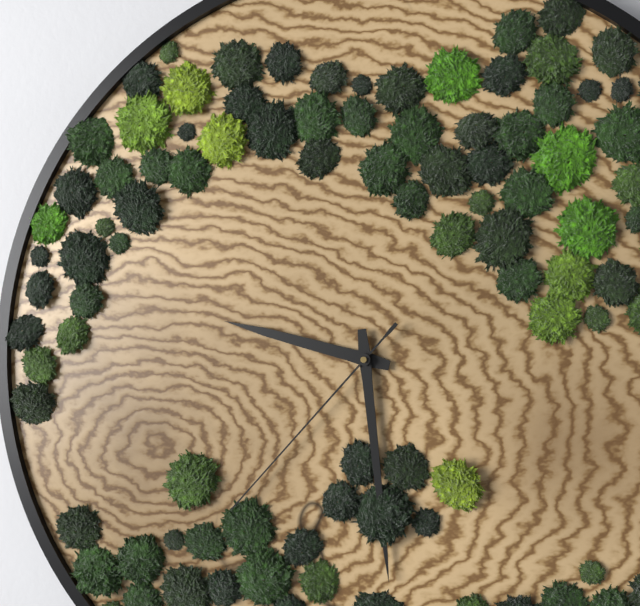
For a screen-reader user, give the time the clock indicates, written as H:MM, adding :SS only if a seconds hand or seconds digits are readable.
9:29:37
